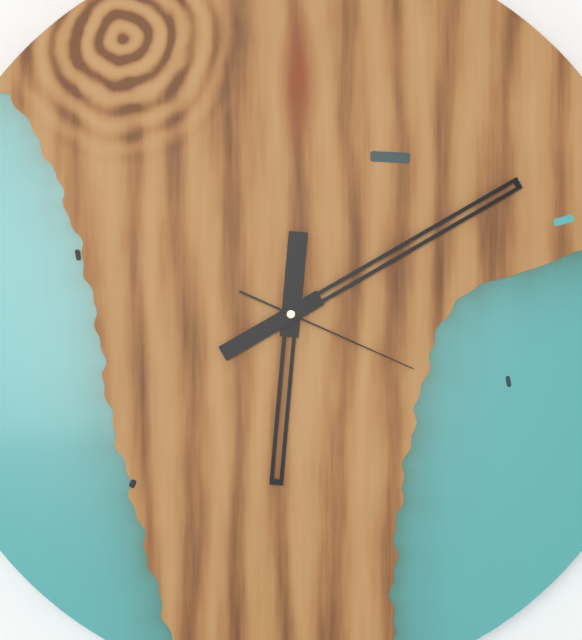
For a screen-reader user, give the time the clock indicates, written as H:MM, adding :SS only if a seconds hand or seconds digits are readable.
6:10:19
